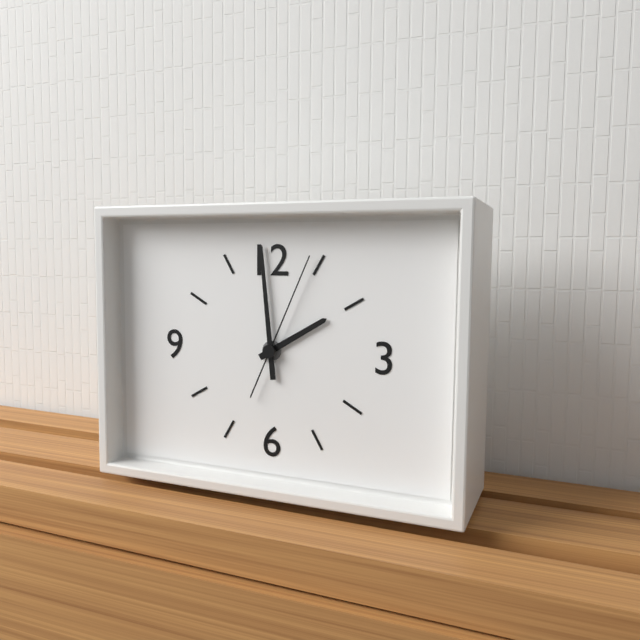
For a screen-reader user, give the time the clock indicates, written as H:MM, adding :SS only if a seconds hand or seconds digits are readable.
1:59:04
